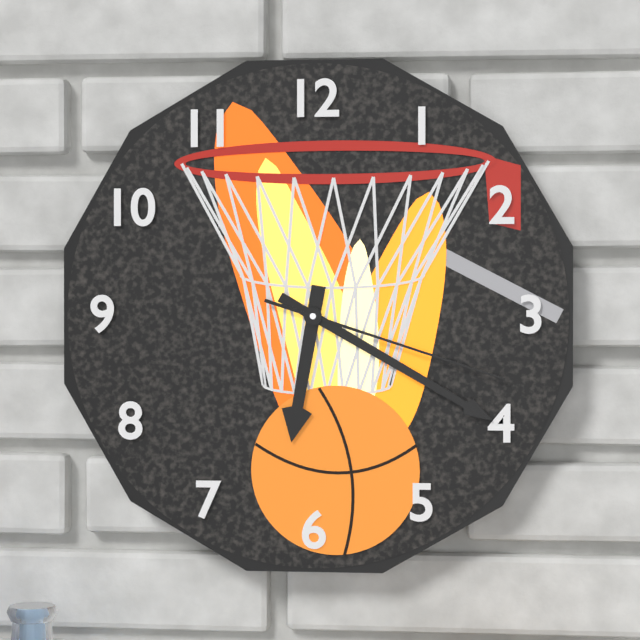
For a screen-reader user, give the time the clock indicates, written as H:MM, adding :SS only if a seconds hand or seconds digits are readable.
6:20:18
